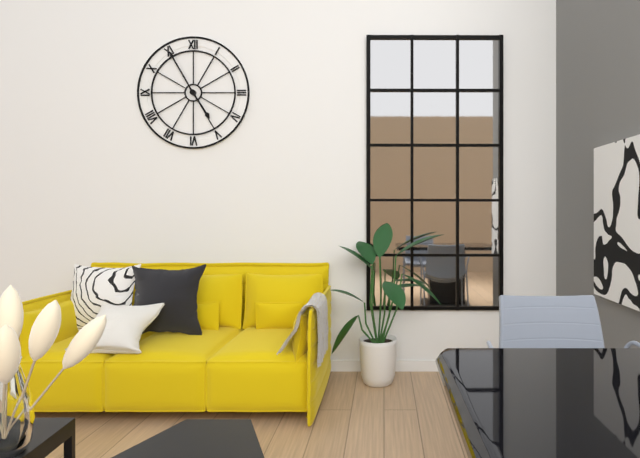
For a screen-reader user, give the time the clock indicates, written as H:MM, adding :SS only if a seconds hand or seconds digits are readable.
4:55
